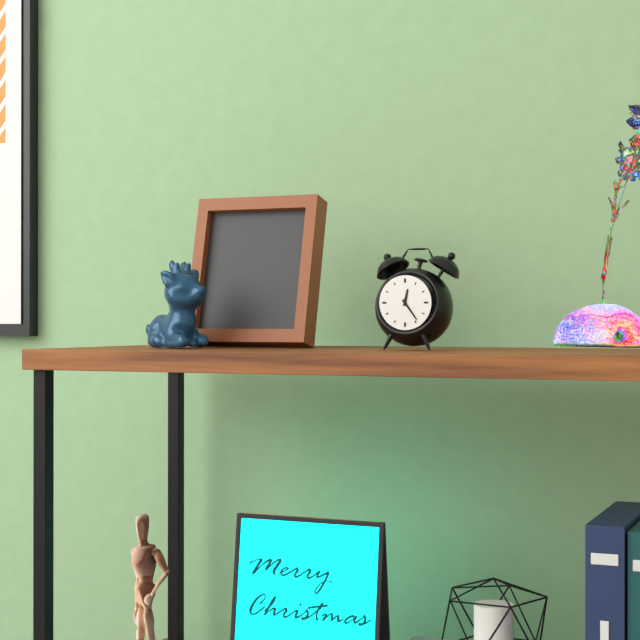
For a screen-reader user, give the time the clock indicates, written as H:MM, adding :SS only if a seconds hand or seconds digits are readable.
12:24
